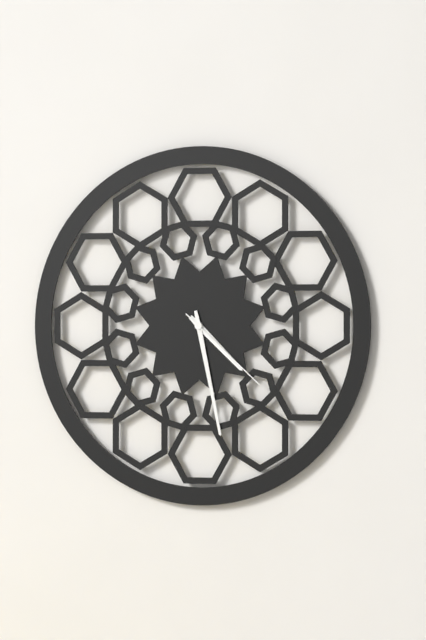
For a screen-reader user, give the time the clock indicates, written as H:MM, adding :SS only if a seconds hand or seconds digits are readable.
4:28:22
